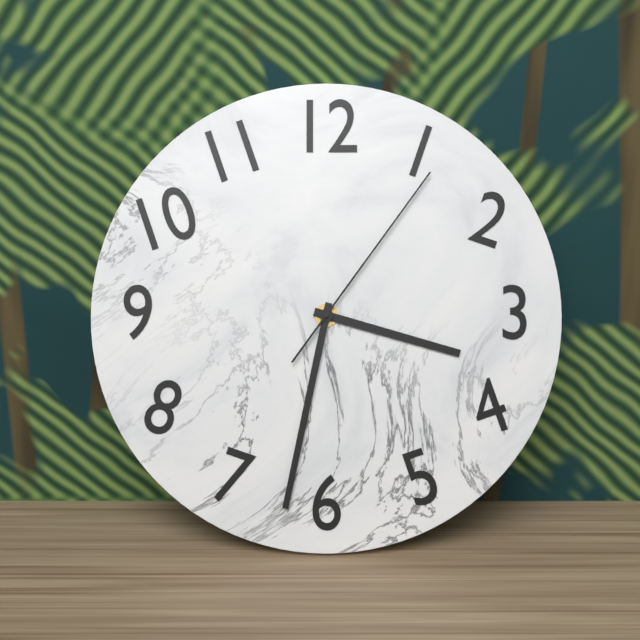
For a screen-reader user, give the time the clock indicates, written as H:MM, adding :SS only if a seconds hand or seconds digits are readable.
3:32:06
